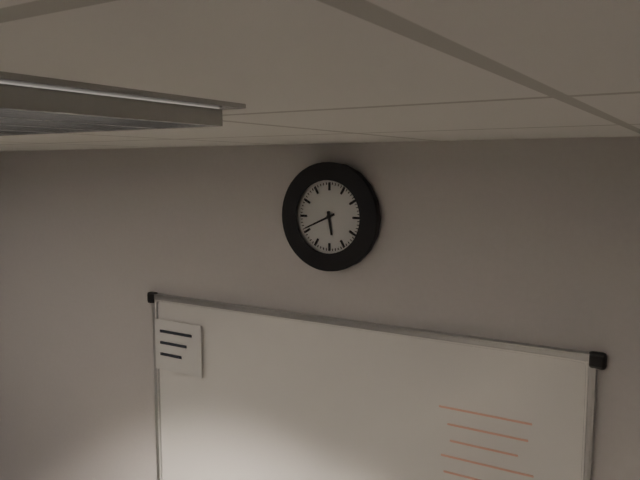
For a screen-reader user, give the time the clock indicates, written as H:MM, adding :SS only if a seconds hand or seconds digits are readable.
5:41
